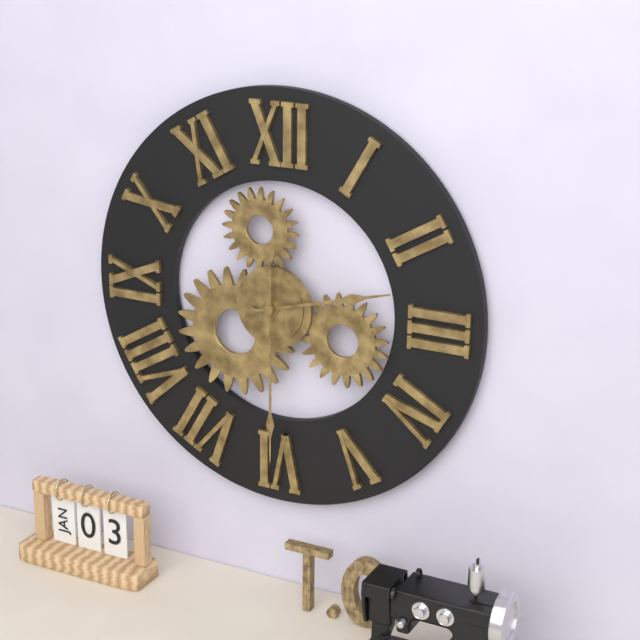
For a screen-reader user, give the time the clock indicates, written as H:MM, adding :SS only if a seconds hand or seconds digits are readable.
2:30
